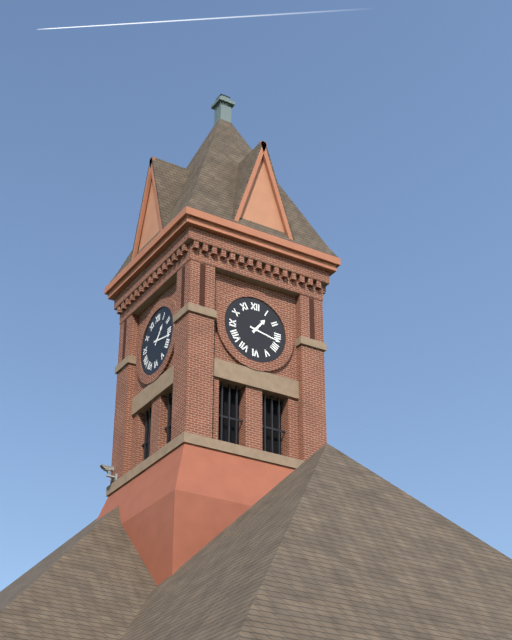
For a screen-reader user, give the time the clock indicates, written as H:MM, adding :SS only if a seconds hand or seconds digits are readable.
1:17
